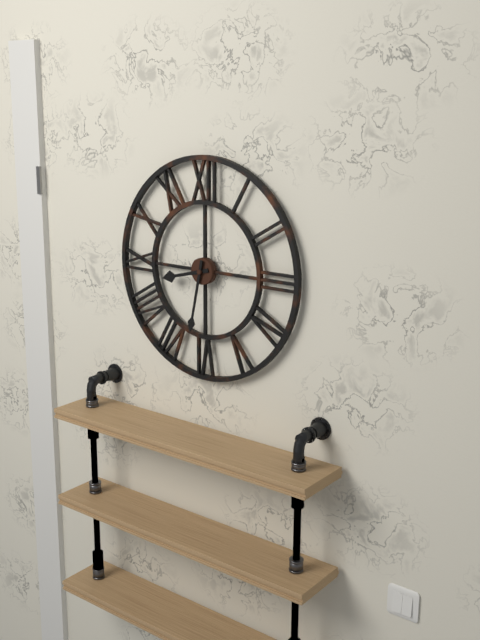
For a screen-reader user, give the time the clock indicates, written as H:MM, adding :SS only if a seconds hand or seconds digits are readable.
8:32
